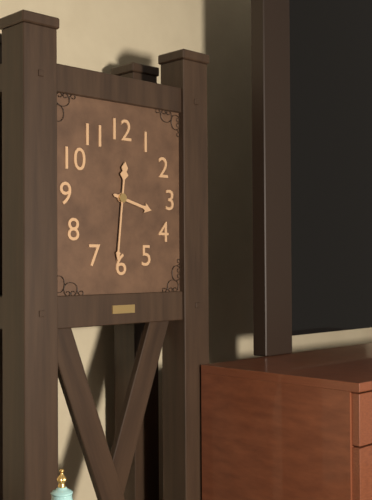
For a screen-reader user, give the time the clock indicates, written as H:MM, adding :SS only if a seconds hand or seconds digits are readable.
3:31
